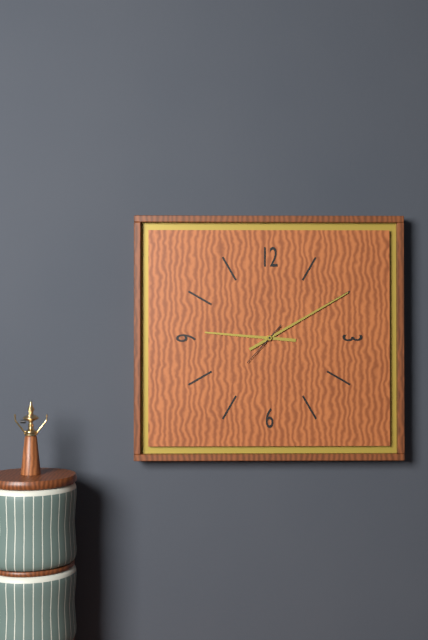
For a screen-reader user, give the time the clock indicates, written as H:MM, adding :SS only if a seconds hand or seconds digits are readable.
9:10
